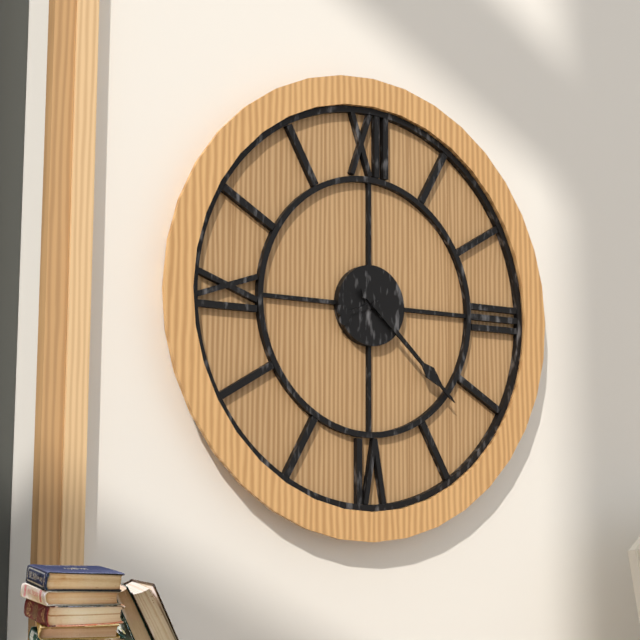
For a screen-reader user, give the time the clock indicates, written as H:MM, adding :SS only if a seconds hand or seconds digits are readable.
8:22
